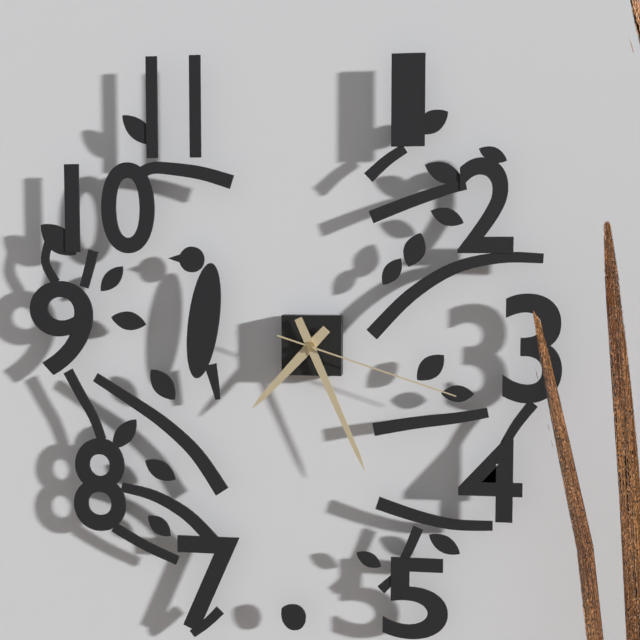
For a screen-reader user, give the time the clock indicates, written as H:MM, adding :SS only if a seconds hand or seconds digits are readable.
7:26:18
